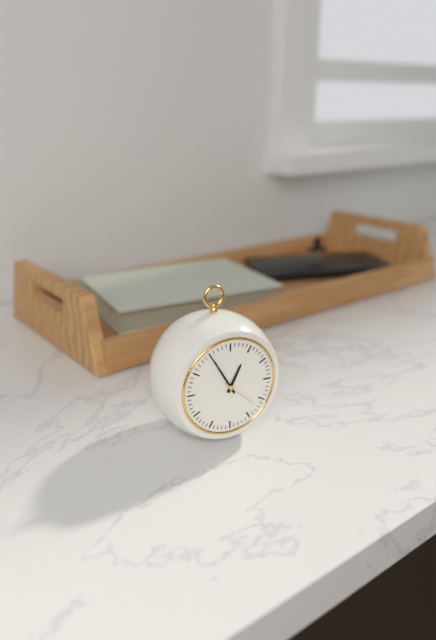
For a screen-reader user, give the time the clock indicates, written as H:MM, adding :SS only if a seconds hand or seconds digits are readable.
12:55
